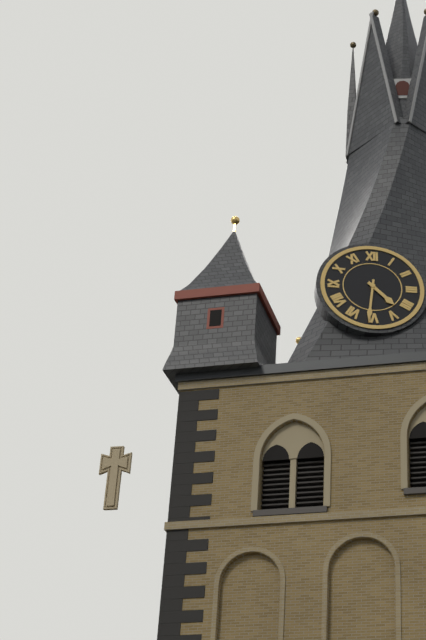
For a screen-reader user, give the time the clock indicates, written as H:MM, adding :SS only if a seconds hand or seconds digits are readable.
4:31
